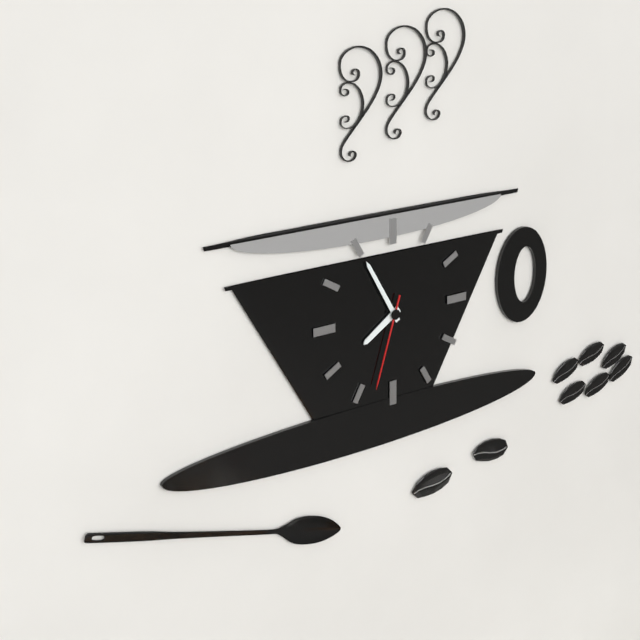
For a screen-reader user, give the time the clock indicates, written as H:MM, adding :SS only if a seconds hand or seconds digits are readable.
7:55:33
